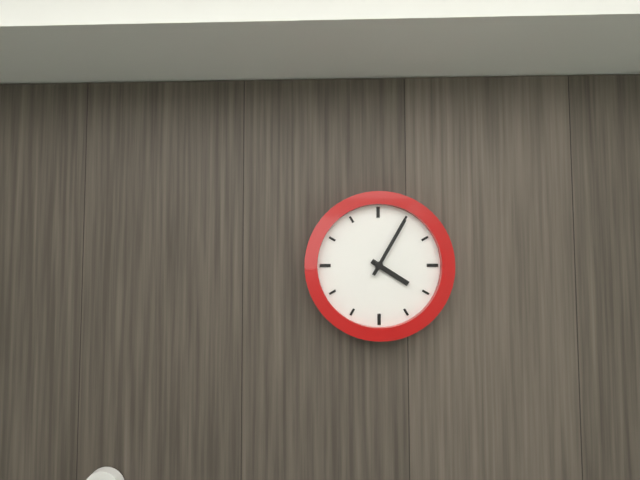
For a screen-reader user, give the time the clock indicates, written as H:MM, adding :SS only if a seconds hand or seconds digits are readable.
4:05
